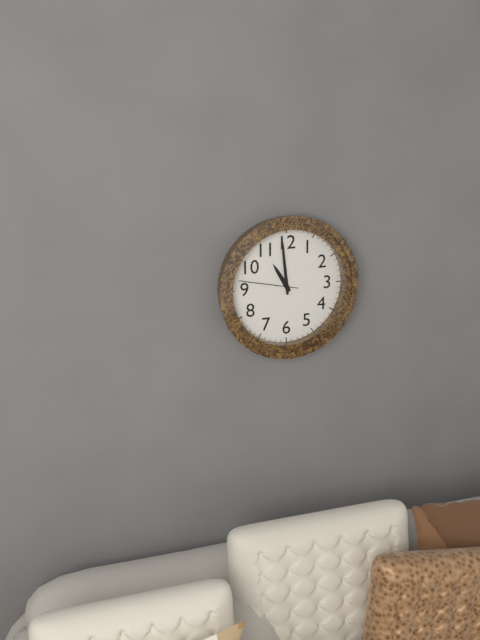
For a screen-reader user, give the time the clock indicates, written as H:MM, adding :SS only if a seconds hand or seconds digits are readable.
10:59:47
